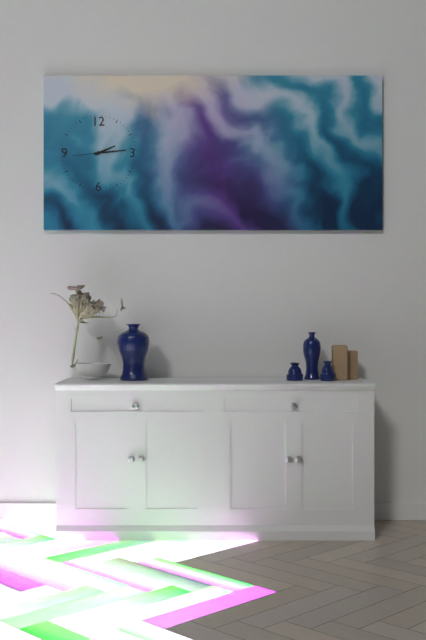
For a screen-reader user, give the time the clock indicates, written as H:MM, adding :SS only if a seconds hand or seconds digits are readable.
2:14
